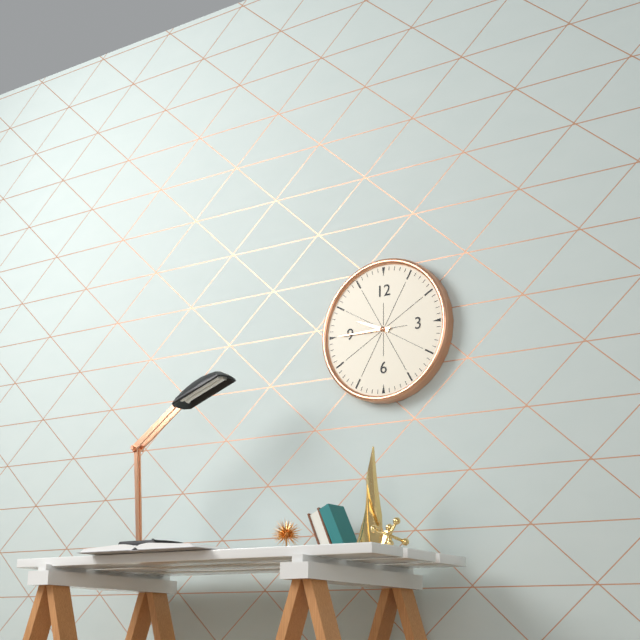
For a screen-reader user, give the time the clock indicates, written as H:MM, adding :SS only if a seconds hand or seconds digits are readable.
9:45
